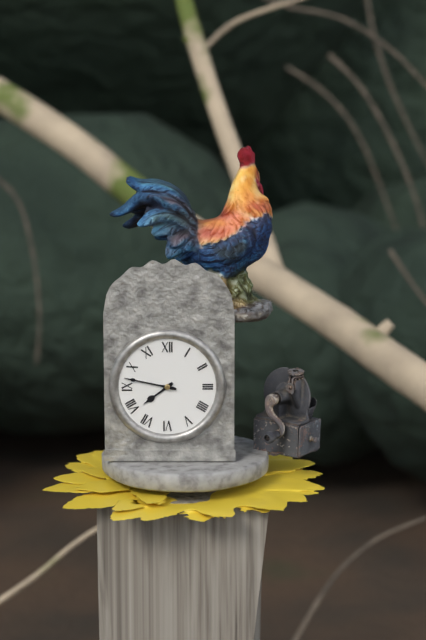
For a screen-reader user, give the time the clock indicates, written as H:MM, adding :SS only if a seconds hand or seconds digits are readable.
7:47
